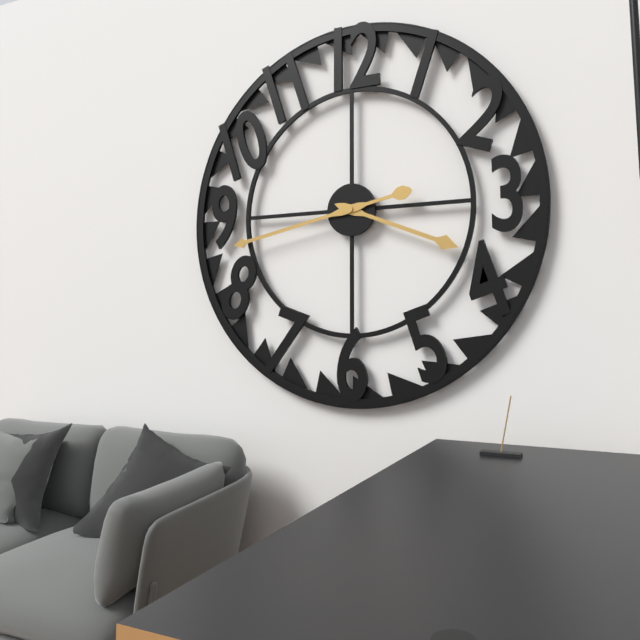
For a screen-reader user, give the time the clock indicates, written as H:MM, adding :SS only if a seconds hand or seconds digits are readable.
3:43
